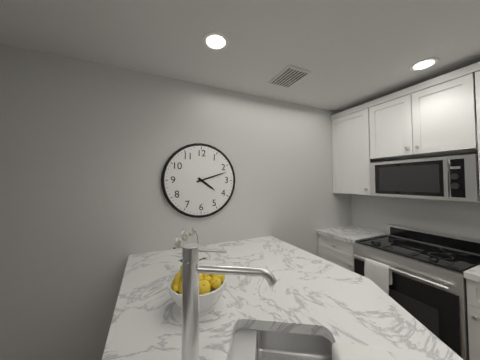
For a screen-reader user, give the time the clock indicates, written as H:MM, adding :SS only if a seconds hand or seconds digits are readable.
4:12
